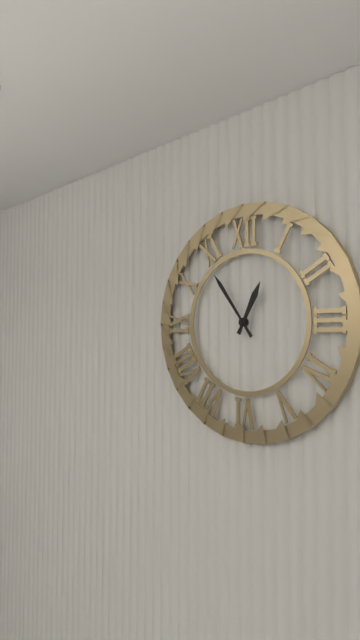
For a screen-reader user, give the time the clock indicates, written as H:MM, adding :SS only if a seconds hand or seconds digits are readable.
12:54
